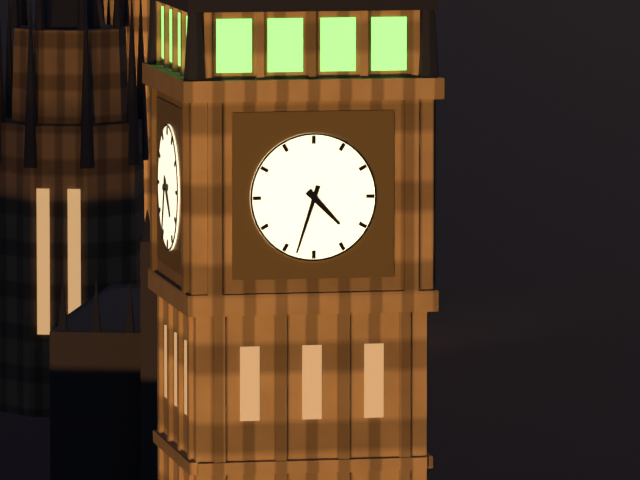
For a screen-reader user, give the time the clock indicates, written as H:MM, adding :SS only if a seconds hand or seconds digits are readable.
4:33
